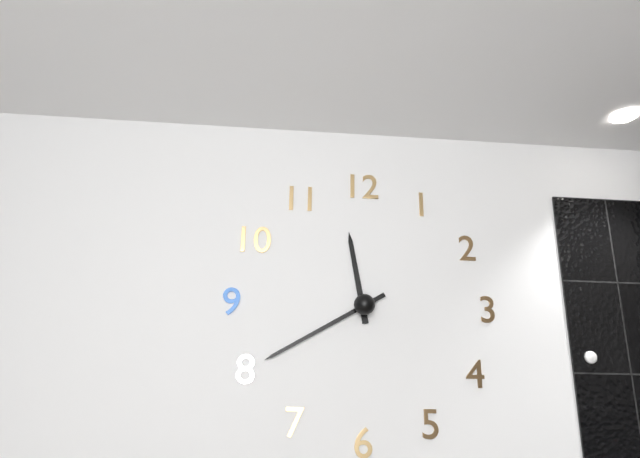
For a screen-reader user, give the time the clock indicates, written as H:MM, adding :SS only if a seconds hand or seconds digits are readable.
11:40
